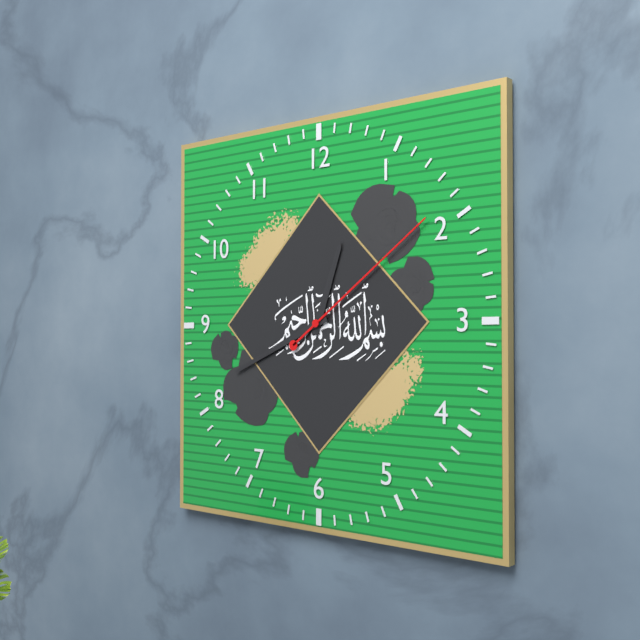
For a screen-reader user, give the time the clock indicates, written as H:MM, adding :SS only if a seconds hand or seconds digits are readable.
12:41:09
